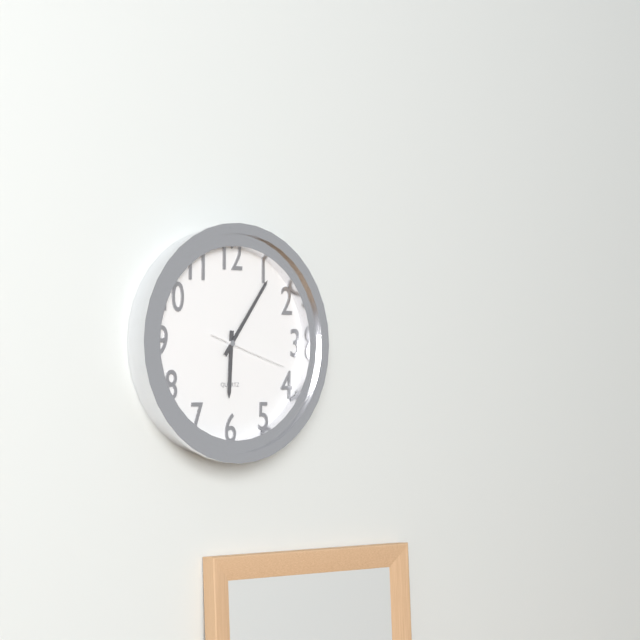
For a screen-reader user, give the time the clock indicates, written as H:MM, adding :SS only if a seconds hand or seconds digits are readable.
6:06:18
